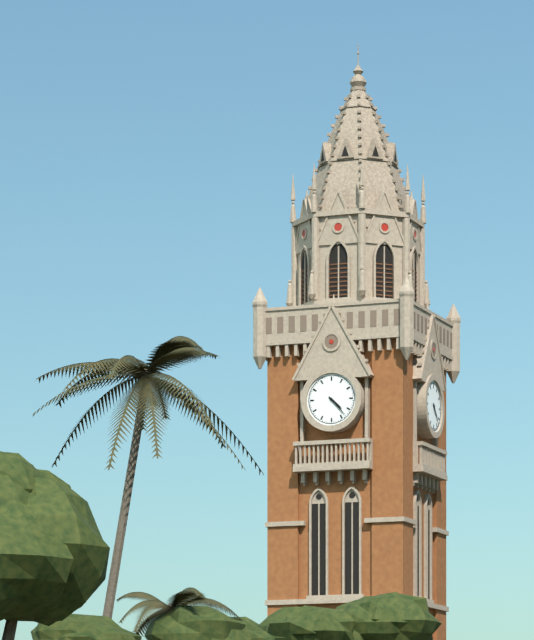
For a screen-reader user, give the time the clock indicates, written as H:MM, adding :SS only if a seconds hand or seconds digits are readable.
4:23
